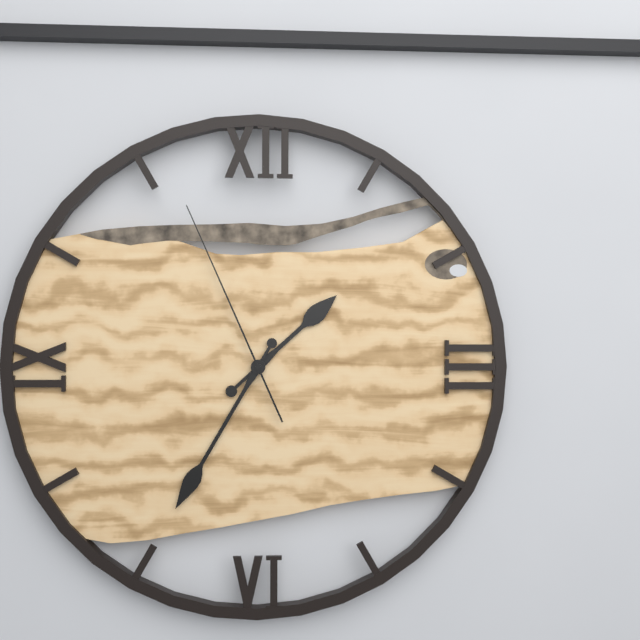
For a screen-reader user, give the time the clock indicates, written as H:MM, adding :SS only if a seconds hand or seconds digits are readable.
1:35:56
